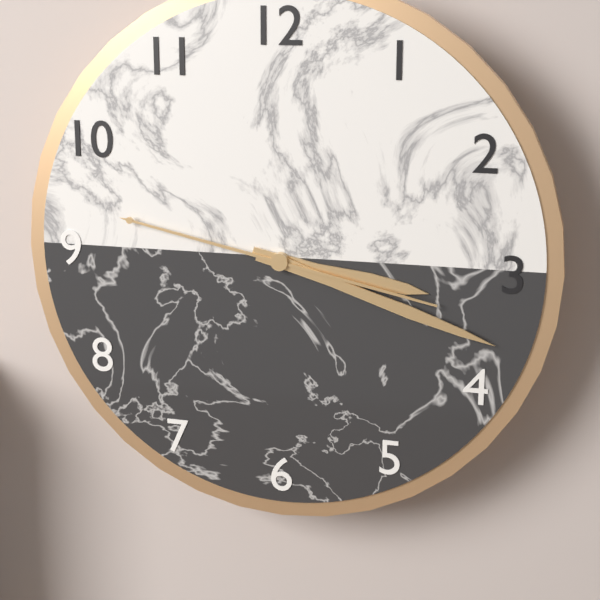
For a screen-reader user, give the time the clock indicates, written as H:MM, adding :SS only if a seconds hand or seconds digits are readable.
3:18:47
